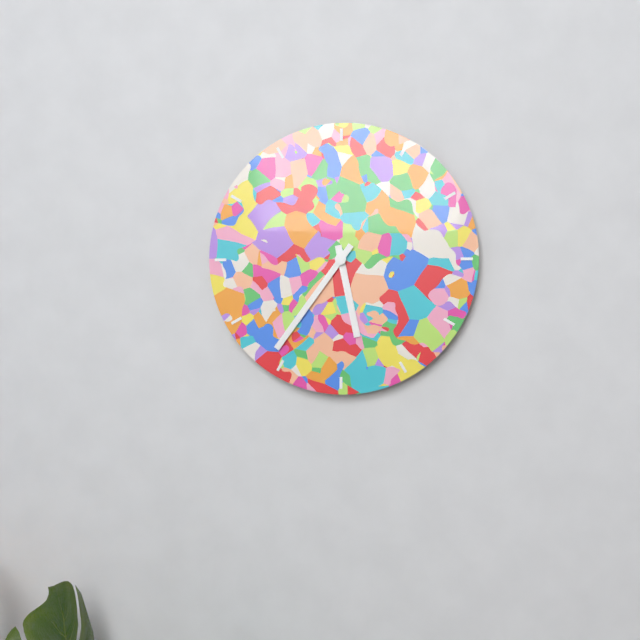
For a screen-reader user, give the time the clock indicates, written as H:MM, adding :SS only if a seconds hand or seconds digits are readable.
5:36
